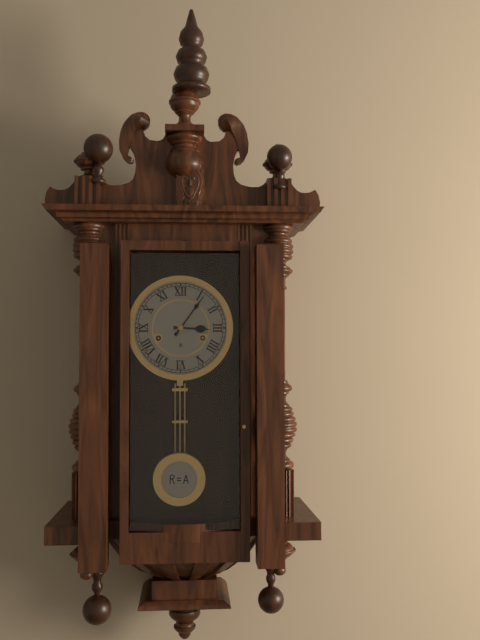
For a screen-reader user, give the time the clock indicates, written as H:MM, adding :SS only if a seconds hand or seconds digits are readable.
3:06
